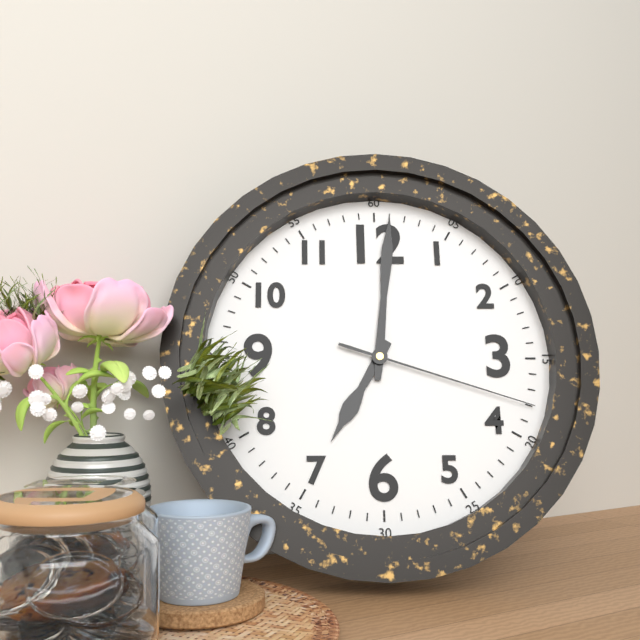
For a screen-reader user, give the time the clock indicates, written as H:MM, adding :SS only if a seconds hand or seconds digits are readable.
7:01:18
